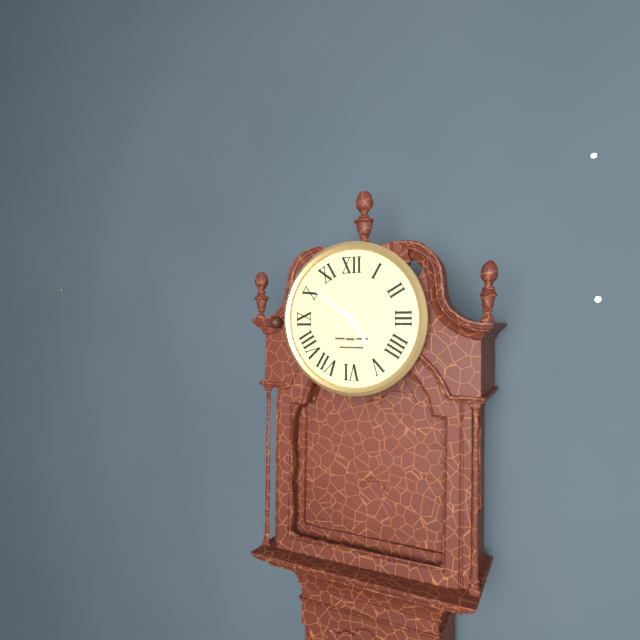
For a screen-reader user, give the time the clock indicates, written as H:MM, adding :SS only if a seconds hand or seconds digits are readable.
4:51
